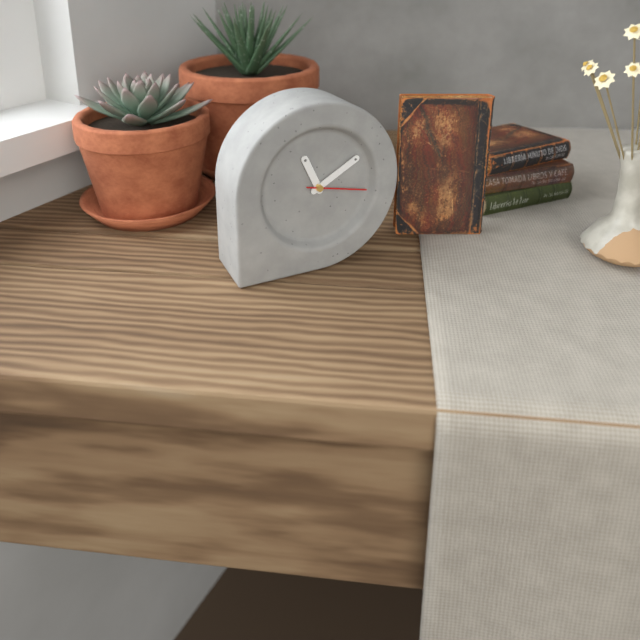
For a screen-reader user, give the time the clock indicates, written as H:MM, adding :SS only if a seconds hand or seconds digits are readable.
11:10:17
